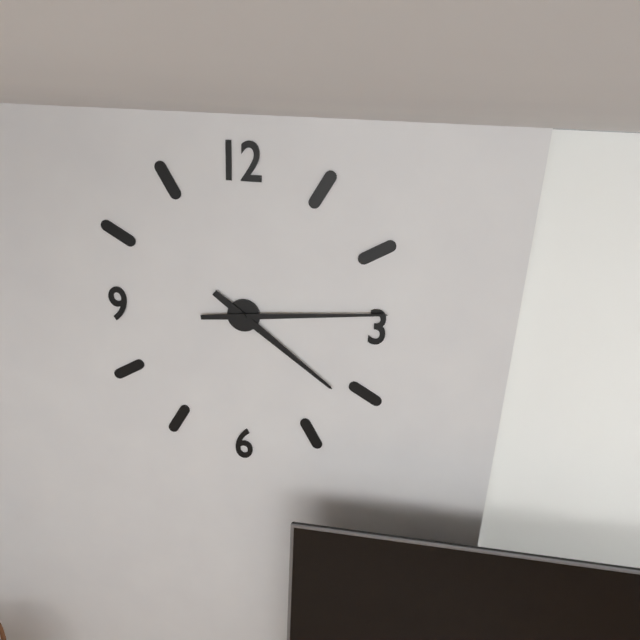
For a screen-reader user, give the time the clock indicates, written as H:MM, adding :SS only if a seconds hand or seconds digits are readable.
4:14
